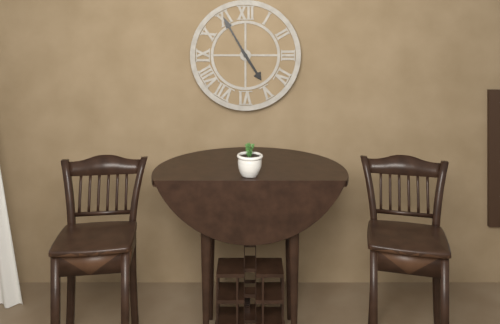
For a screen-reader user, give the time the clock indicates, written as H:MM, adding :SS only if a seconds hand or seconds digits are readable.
4:55
